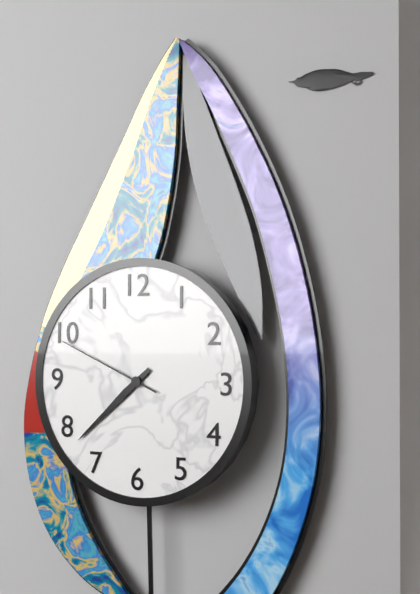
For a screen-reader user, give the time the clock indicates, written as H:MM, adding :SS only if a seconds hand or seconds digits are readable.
7:38:49
